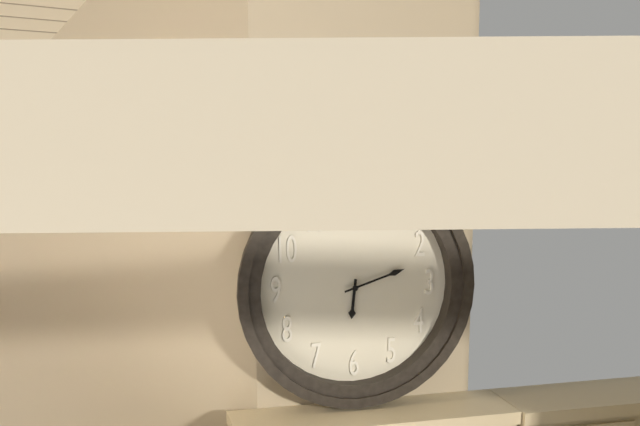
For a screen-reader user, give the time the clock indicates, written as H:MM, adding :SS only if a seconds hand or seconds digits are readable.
6:12
